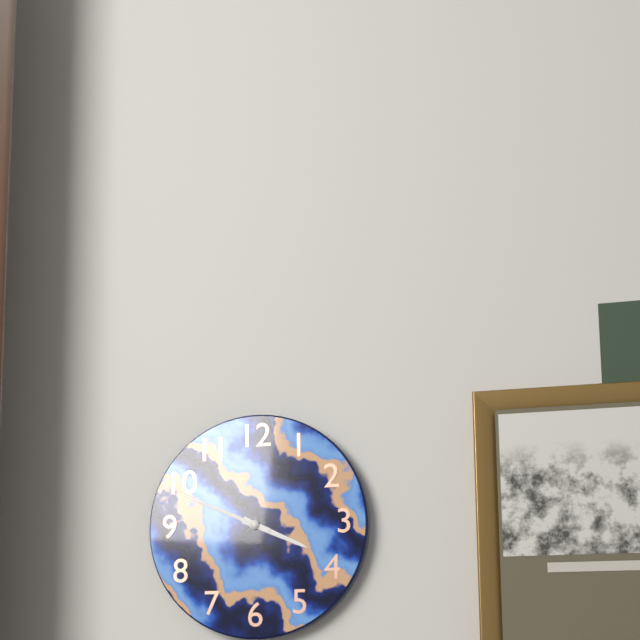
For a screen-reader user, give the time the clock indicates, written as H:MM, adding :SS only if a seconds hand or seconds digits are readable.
3:49
